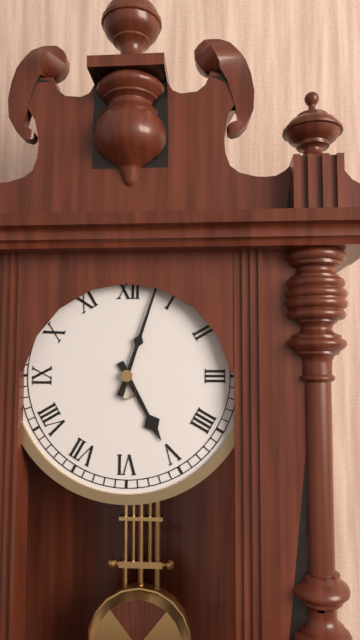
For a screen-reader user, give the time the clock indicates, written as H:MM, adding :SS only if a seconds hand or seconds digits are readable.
5:03
